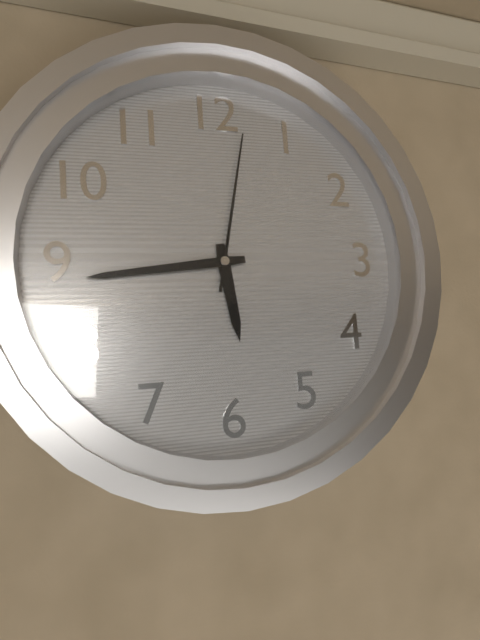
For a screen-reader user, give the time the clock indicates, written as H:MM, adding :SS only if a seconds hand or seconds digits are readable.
5:44:02
